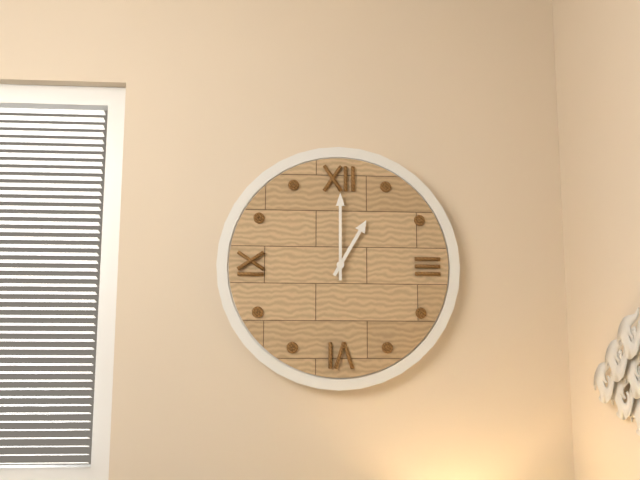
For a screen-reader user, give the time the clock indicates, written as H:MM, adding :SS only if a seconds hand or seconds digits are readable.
1:00
